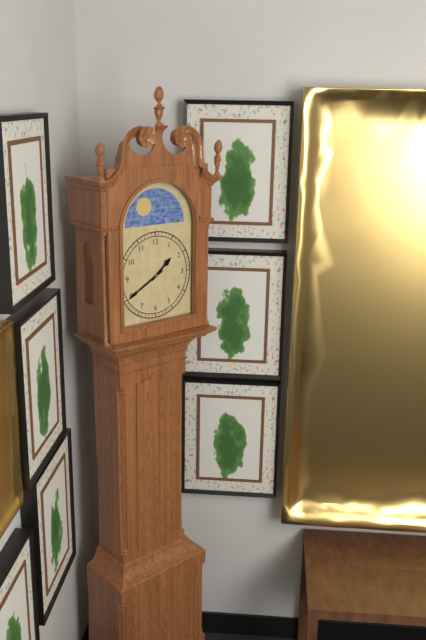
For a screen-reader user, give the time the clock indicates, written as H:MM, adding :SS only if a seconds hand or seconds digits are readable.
1:40
